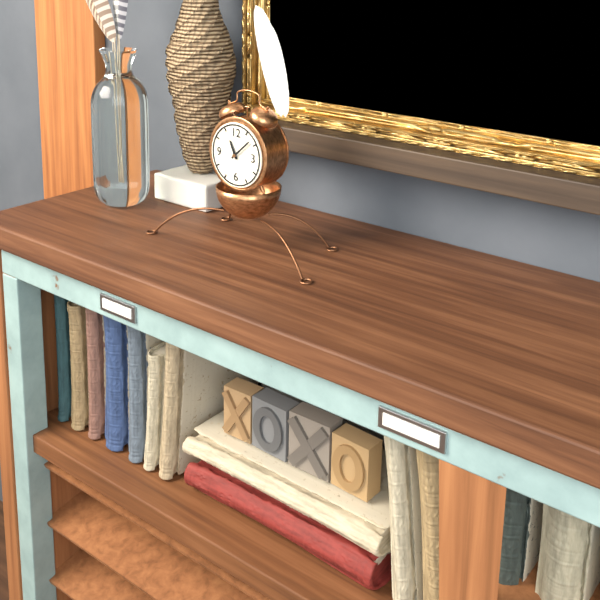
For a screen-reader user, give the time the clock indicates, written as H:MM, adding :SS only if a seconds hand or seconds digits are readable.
11:08
